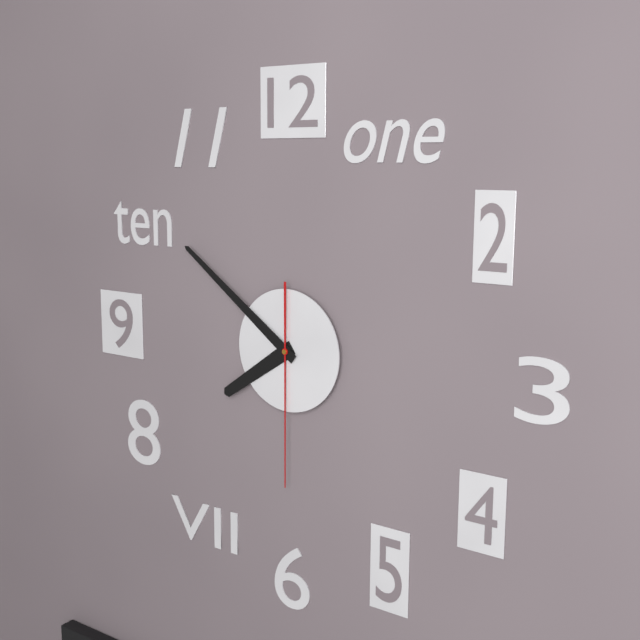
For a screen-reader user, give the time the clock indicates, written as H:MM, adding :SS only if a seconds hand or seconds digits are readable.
7:51:30
